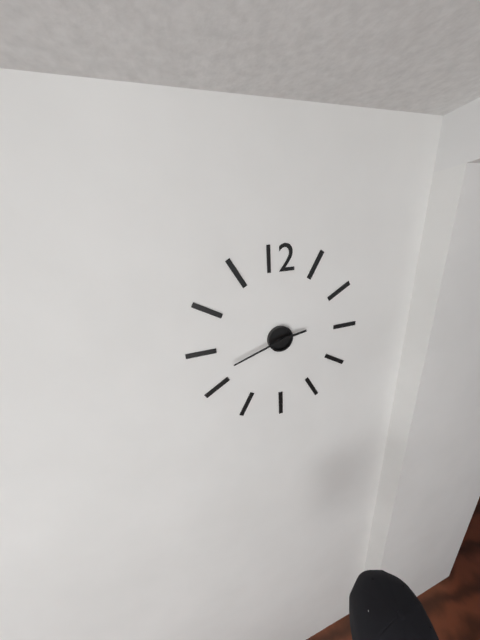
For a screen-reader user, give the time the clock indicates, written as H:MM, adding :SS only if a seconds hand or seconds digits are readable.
2:42
